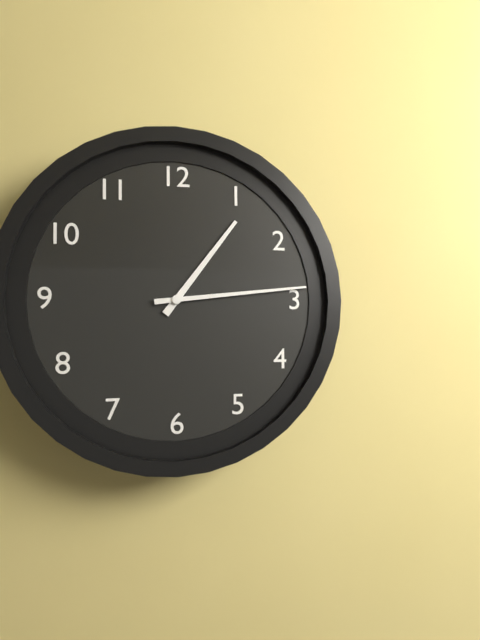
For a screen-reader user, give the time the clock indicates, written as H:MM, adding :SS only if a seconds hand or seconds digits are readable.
1:14
